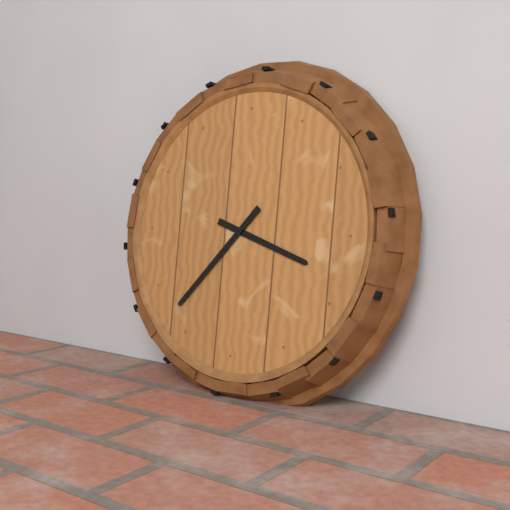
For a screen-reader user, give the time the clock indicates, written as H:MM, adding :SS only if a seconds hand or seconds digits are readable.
3:37
